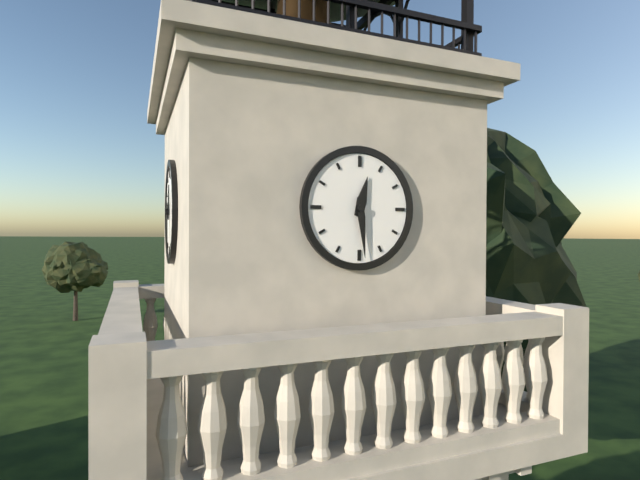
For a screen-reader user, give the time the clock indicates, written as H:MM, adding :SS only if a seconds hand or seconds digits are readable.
12:29
